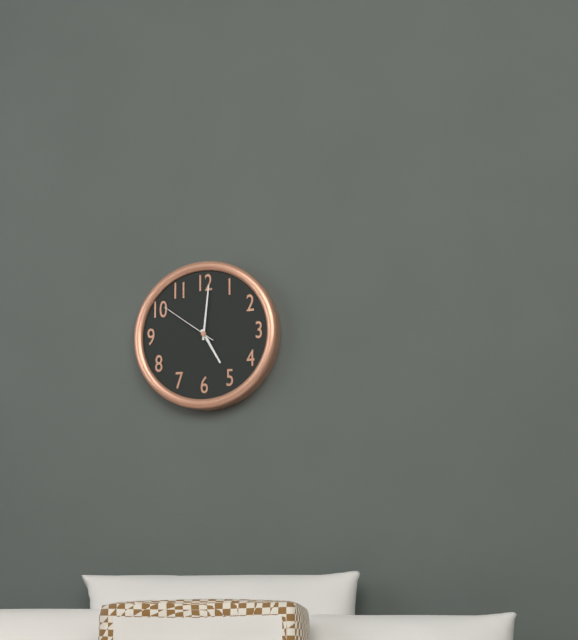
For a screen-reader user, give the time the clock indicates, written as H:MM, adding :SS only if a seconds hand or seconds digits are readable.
5:01:51
